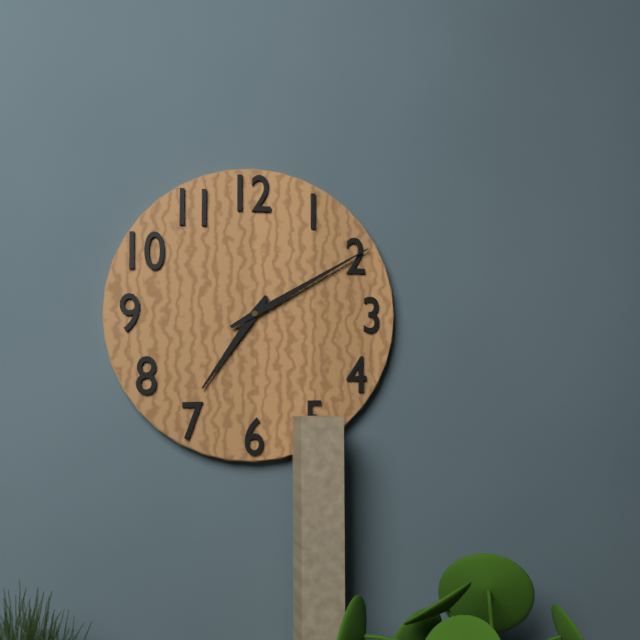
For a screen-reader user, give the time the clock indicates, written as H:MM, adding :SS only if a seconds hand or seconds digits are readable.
7:10
